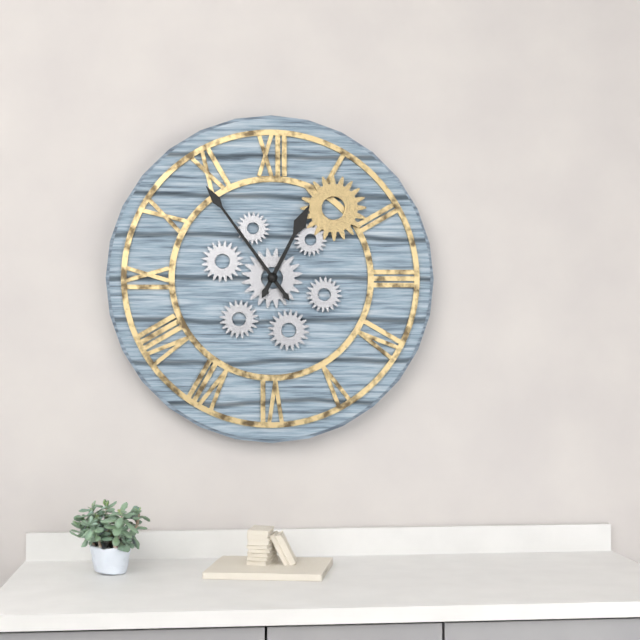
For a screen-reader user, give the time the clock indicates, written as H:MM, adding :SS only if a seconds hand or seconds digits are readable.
12:54
